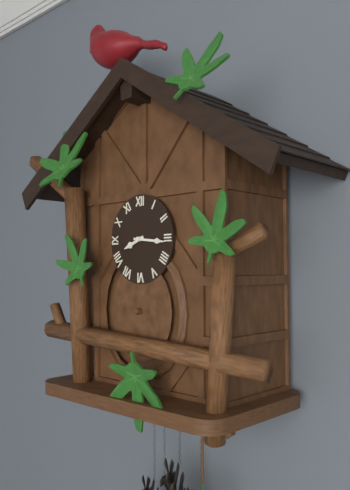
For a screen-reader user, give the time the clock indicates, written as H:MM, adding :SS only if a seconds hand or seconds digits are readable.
8:16
